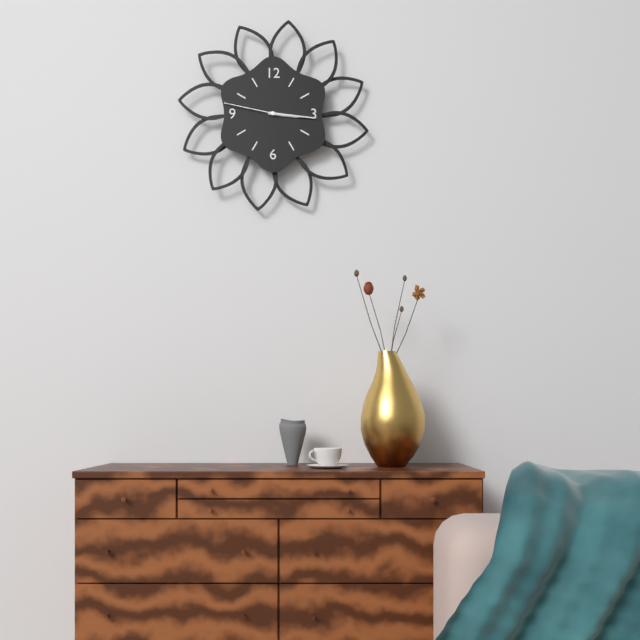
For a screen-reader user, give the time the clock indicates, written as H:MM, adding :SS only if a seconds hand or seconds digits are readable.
3:16:47
